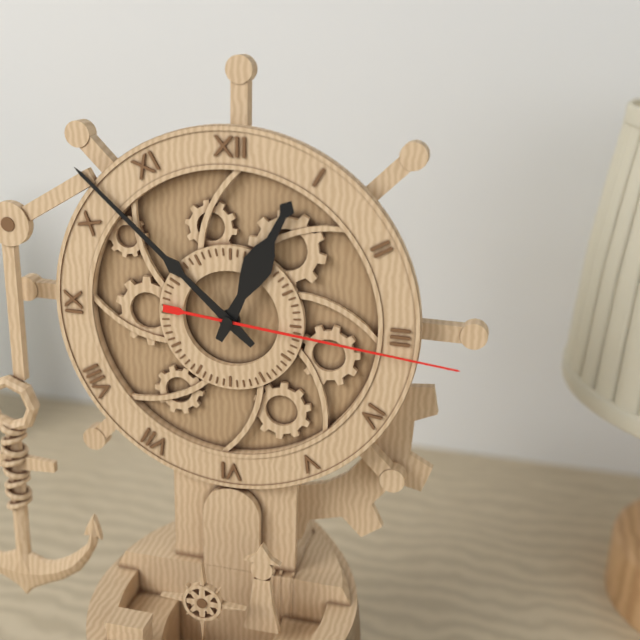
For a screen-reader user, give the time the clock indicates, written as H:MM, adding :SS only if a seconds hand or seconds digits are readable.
12:52:16
